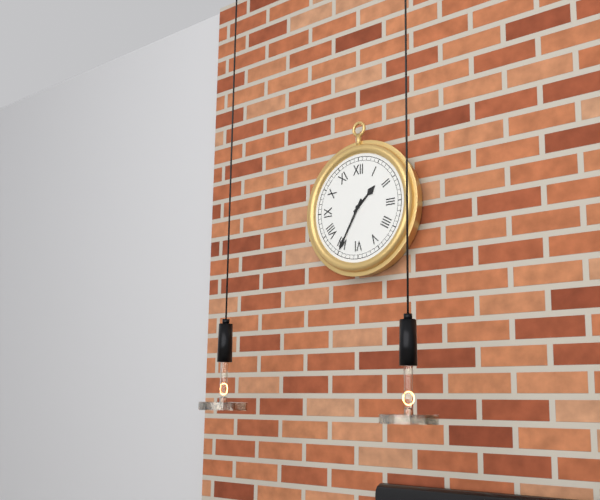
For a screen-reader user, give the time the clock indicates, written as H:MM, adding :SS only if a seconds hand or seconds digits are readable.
1:35
